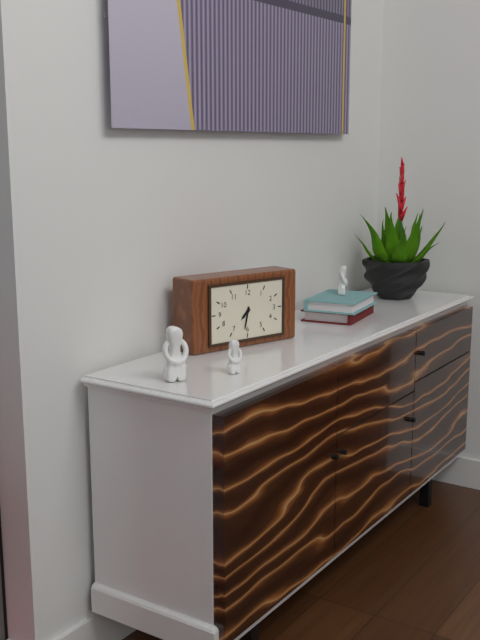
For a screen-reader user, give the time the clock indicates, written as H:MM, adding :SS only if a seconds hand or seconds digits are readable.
7:32
